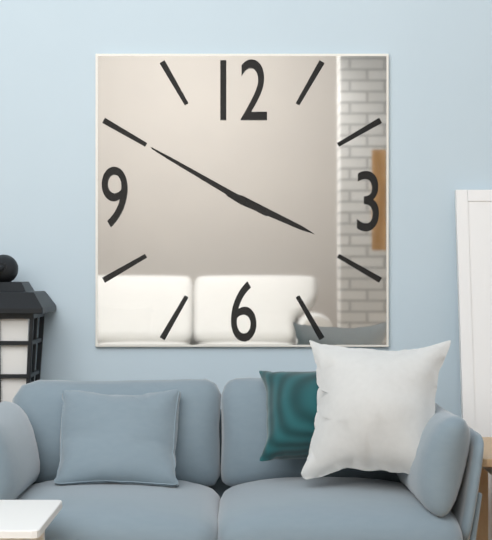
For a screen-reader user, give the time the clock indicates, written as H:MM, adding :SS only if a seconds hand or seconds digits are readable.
3:50
